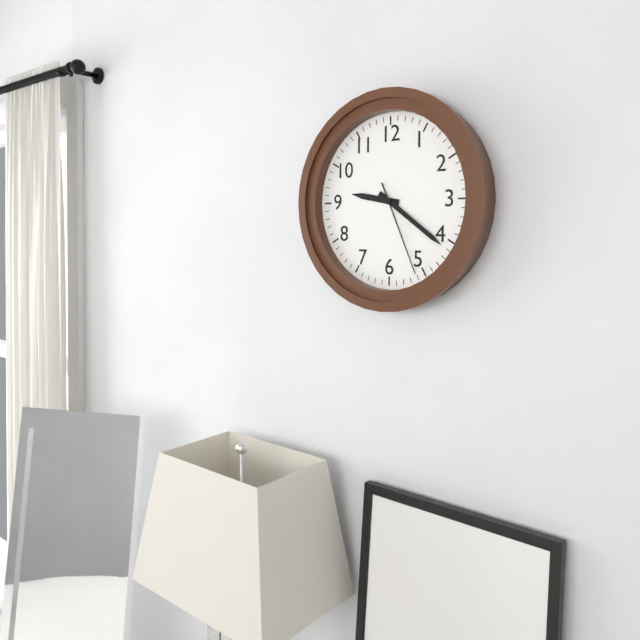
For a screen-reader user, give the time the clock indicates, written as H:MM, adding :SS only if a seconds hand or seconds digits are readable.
9:21:26
